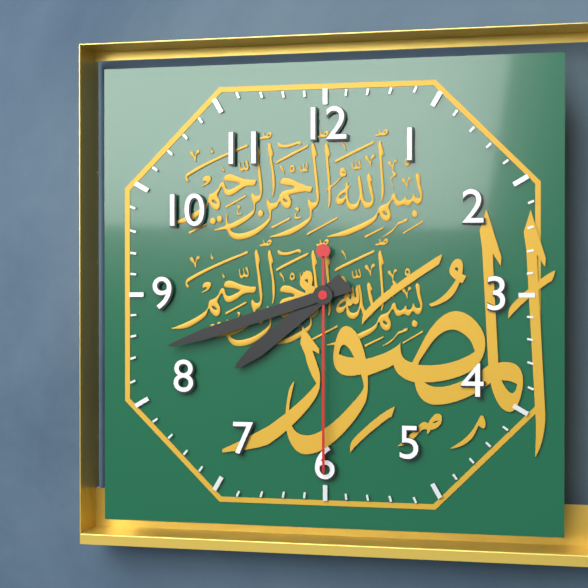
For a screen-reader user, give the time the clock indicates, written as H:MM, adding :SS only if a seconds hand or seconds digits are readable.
7:42:30
